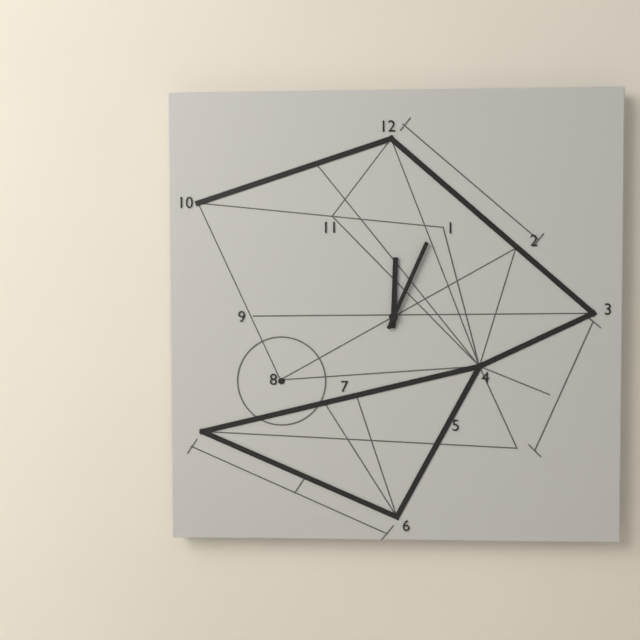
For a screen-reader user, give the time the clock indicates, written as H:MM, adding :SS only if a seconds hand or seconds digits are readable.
12:04
